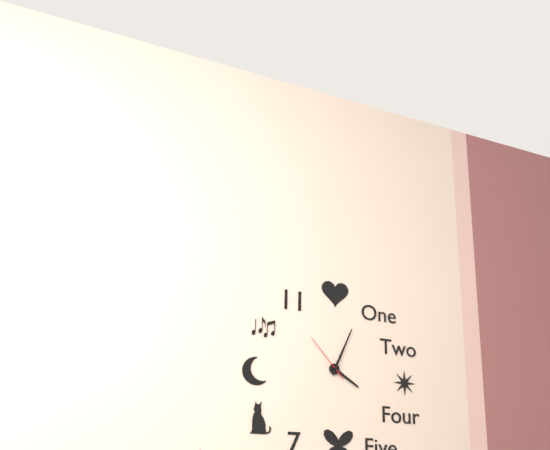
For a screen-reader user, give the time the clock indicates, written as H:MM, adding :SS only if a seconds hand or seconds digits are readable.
4:04
